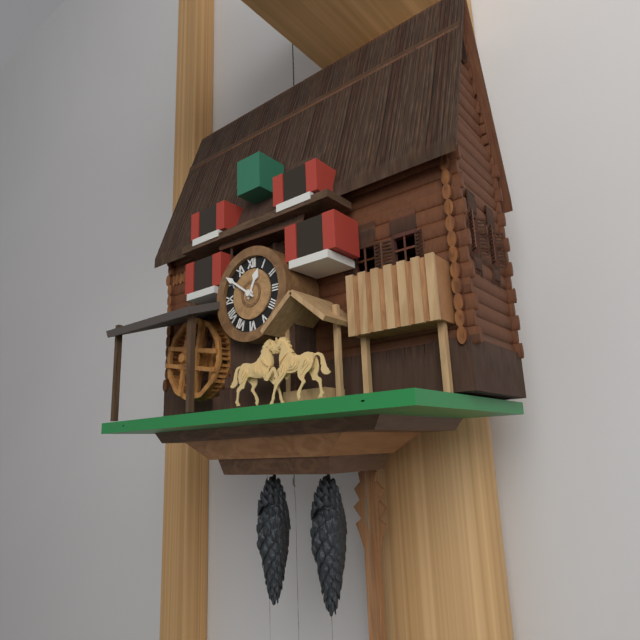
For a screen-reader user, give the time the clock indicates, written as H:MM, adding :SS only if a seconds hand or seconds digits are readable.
12:51
